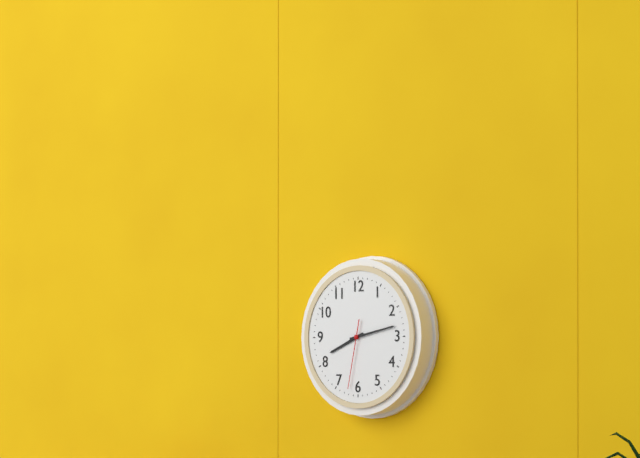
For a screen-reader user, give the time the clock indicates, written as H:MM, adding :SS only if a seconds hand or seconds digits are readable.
8:13:32
